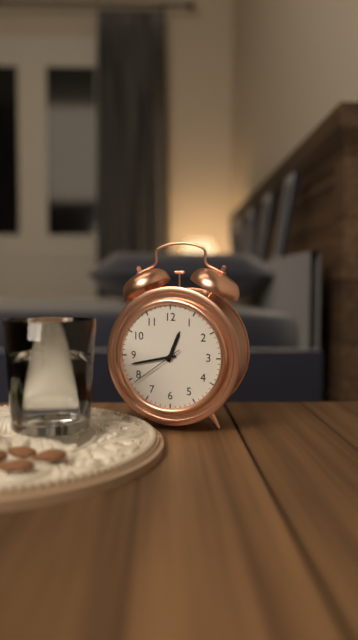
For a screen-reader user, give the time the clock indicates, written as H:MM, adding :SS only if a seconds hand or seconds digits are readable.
12:43:39
